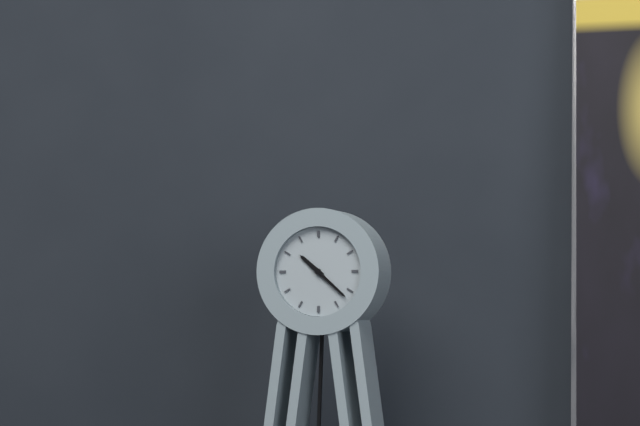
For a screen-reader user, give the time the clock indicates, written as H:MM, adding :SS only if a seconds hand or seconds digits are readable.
10:22
